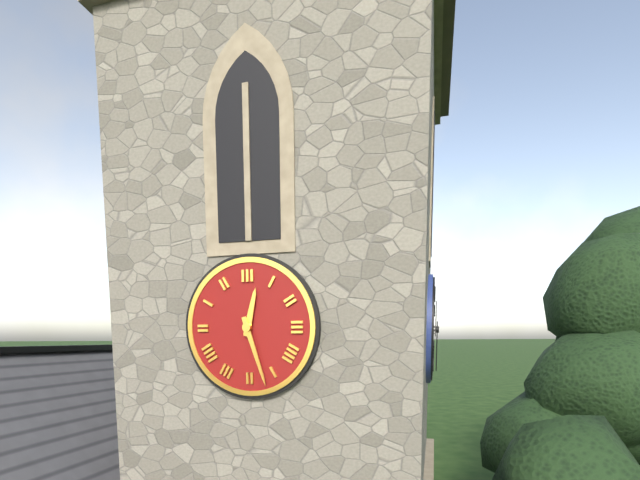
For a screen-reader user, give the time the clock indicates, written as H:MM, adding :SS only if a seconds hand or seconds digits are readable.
12:27
